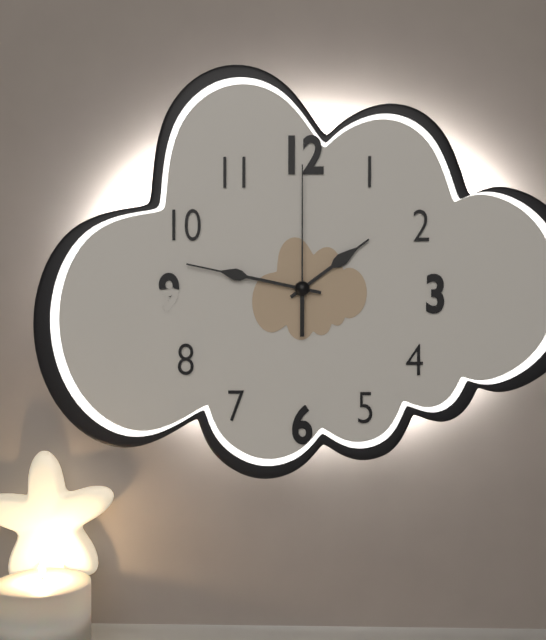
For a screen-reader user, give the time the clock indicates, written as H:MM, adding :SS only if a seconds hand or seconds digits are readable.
1:47:00
